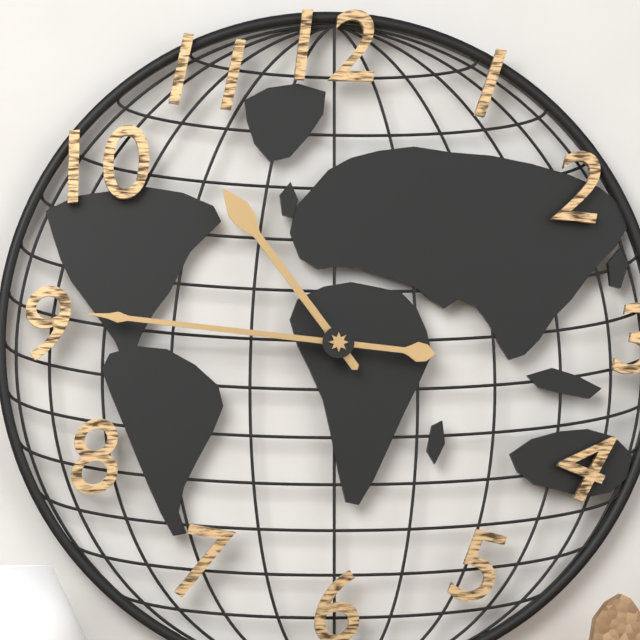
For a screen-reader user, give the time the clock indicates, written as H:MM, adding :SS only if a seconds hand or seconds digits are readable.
10:46
